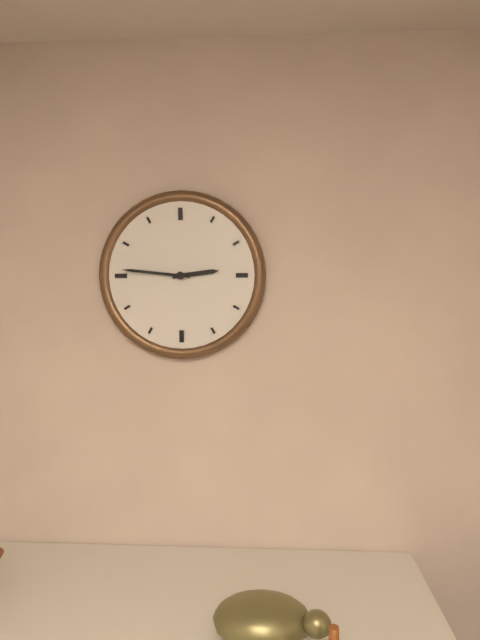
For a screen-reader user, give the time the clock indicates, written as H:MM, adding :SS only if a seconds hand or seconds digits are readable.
2:46
